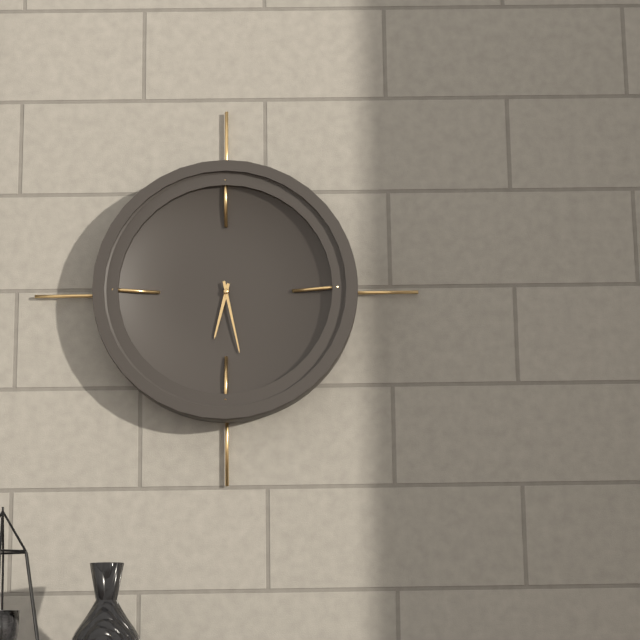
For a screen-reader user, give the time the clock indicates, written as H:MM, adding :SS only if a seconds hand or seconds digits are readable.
6:28
